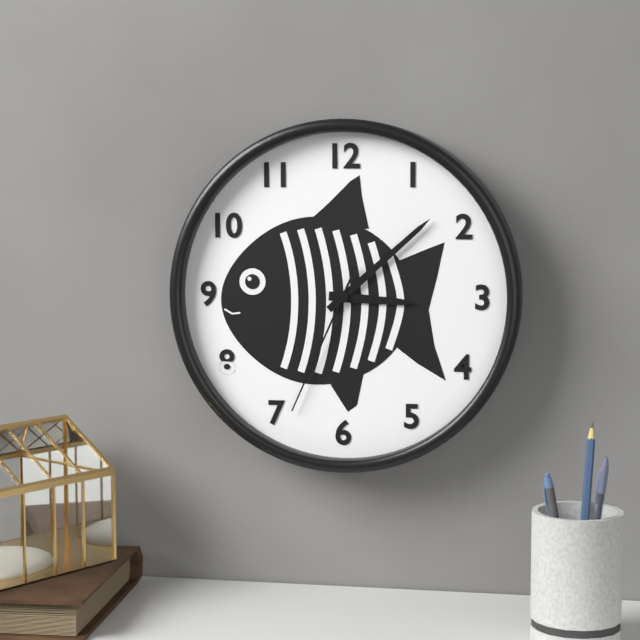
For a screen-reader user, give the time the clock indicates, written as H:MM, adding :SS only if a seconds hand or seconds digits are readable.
3:08:34
